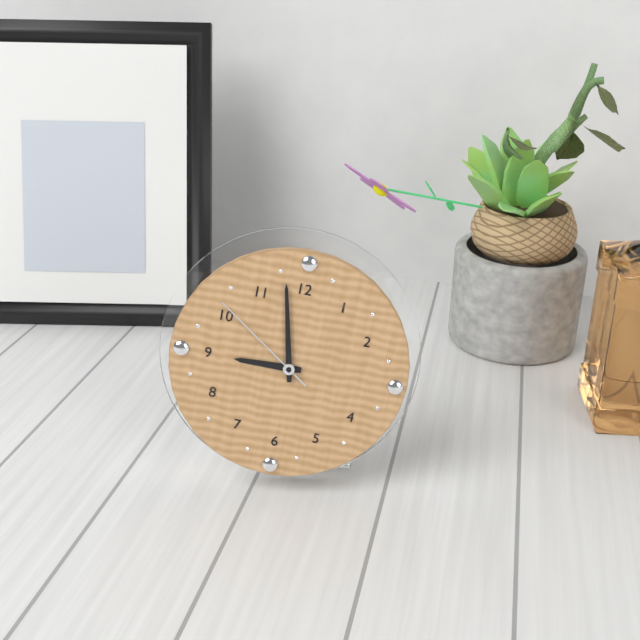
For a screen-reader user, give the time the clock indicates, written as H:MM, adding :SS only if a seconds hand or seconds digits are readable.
8:58:51
